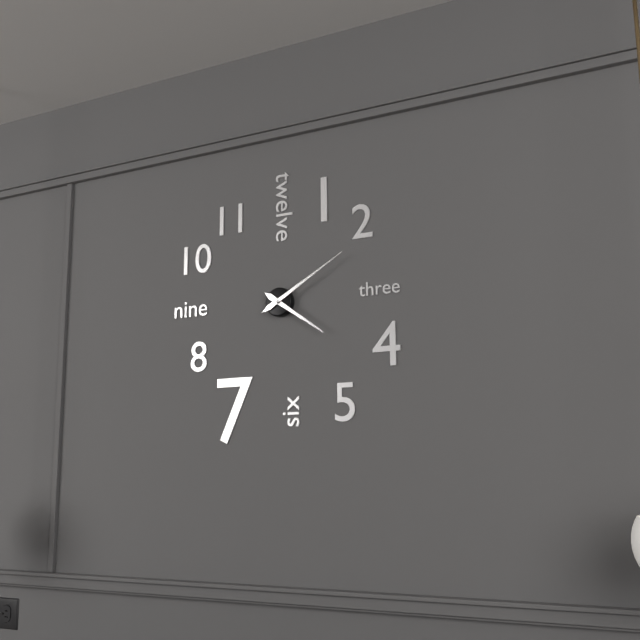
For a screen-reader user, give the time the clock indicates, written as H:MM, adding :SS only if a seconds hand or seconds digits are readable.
4:10
